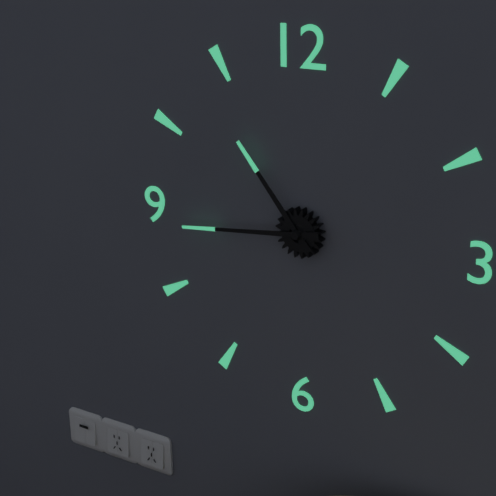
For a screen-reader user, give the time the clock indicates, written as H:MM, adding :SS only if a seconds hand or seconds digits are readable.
10:44
